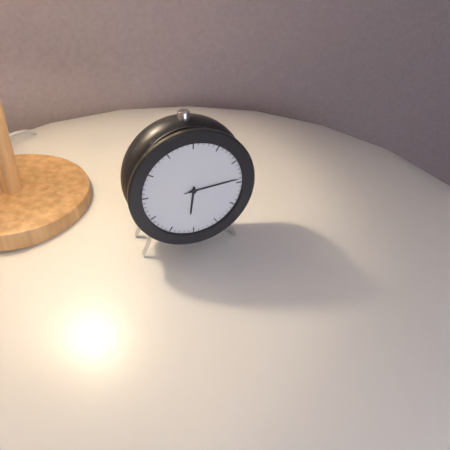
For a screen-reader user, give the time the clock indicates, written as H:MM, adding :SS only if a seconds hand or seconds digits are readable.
6:14:14
